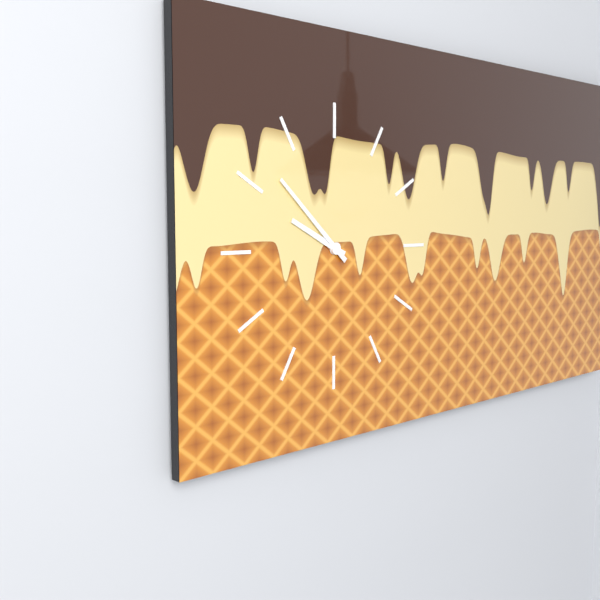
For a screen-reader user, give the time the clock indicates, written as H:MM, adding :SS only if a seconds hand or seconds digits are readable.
9:52
